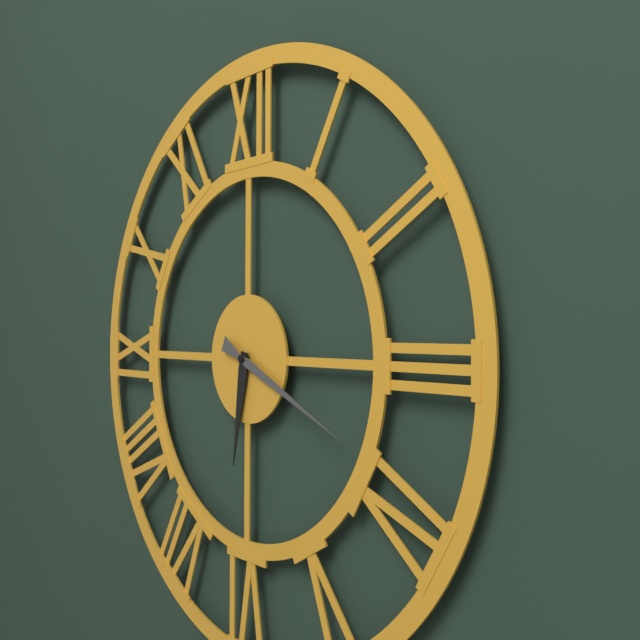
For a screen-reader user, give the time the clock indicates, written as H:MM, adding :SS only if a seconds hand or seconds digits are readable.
6:19
